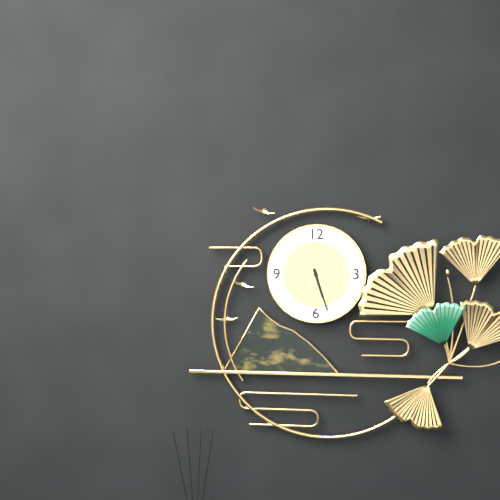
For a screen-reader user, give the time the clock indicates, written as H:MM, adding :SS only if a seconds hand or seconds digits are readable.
5:27
